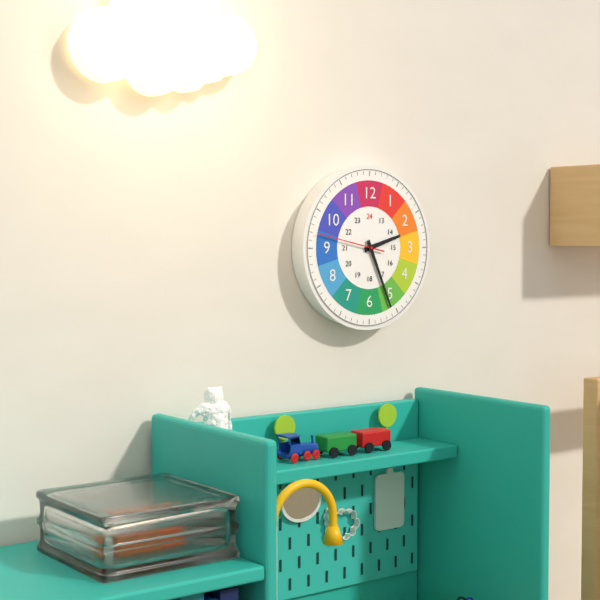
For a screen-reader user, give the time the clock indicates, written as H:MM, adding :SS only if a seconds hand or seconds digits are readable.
2:26:47
